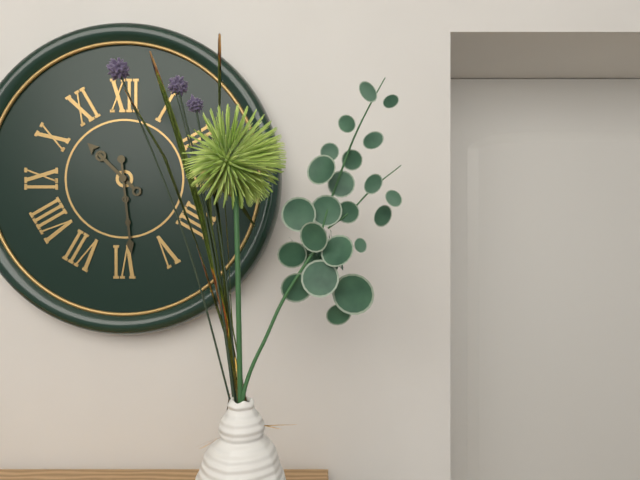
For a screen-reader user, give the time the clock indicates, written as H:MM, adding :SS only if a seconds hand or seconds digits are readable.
10:29
